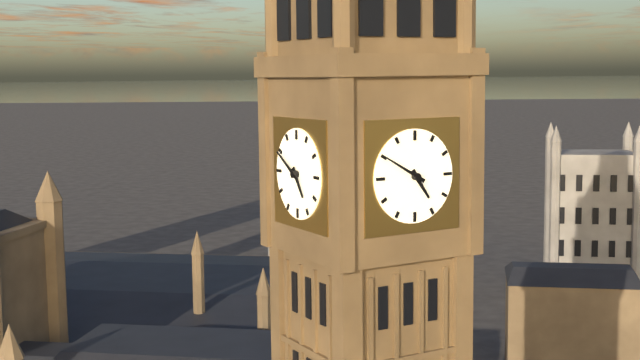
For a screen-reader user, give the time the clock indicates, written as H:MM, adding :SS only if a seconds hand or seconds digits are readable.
4:50
